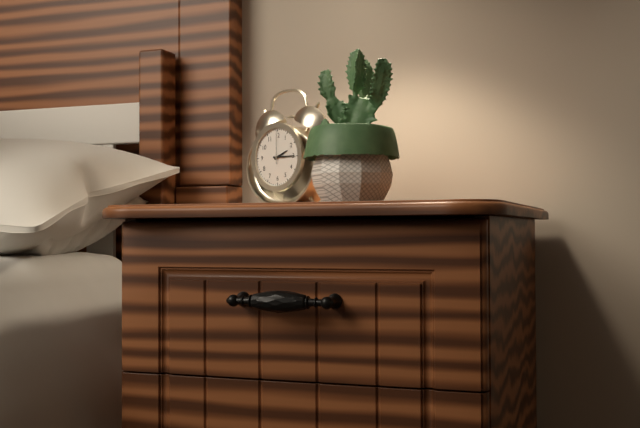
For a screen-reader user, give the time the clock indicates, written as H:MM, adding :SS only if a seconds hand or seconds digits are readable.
2:15
